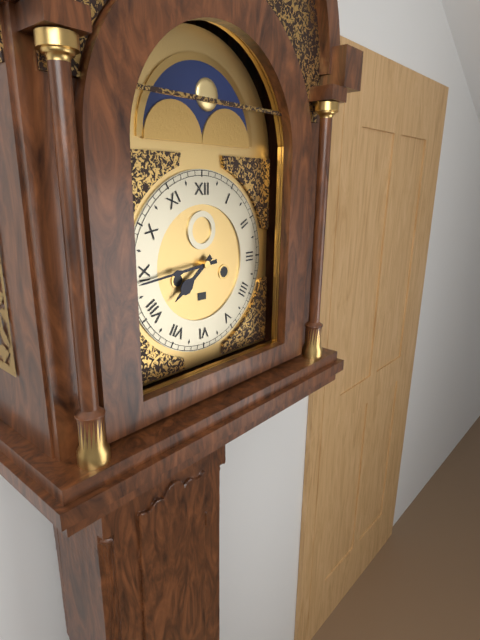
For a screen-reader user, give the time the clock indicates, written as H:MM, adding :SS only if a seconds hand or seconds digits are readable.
7:44
